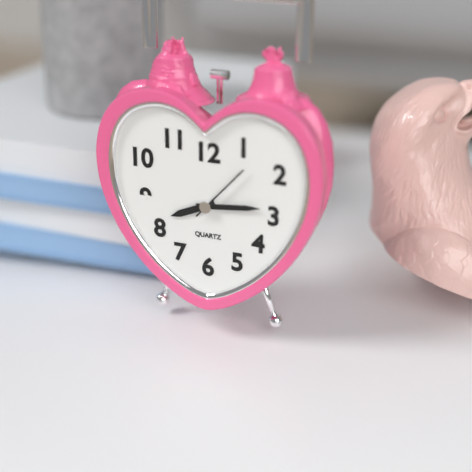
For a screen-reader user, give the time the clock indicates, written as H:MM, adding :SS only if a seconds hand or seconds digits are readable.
8:14:07
